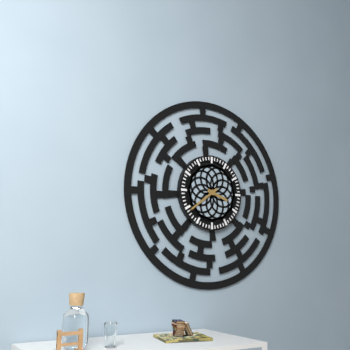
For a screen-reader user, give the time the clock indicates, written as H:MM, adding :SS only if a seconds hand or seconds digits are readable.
3:39
